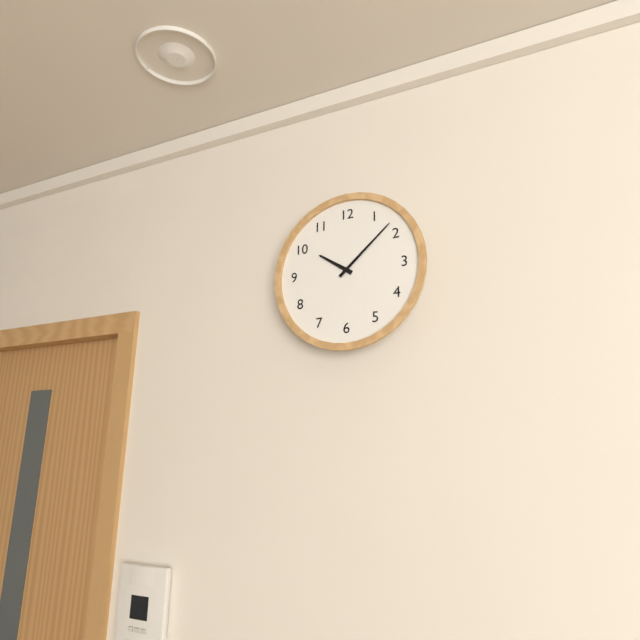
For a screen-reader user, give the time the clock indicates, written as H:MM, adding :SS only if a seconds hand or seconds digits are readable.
10:08
